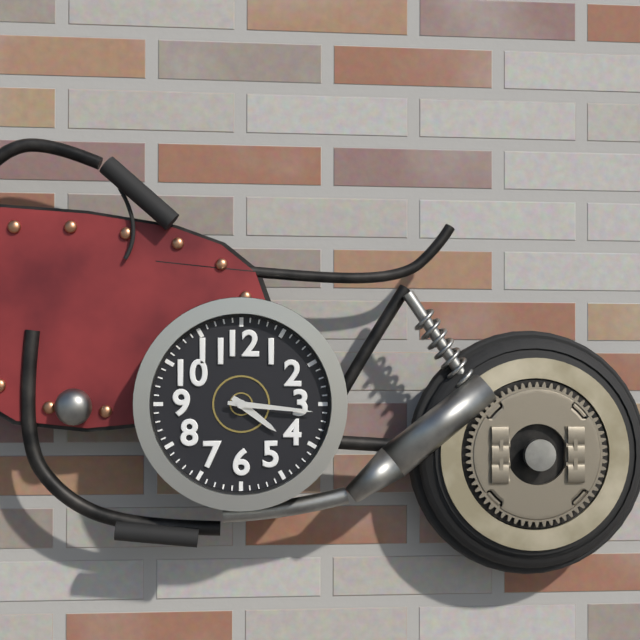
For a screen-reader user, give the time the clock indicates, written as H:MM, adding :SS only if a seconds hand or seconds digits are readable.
4:16
